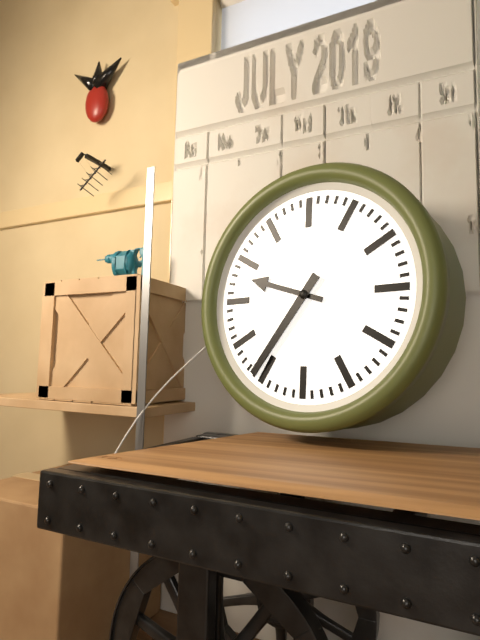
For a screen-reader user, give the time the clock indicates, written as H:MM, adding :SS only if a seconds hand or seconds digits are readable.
9:36
